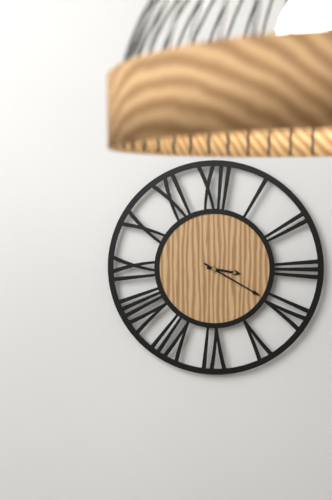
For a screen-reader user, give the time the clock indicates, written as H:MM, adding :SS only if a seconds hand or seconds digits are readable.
3:20
